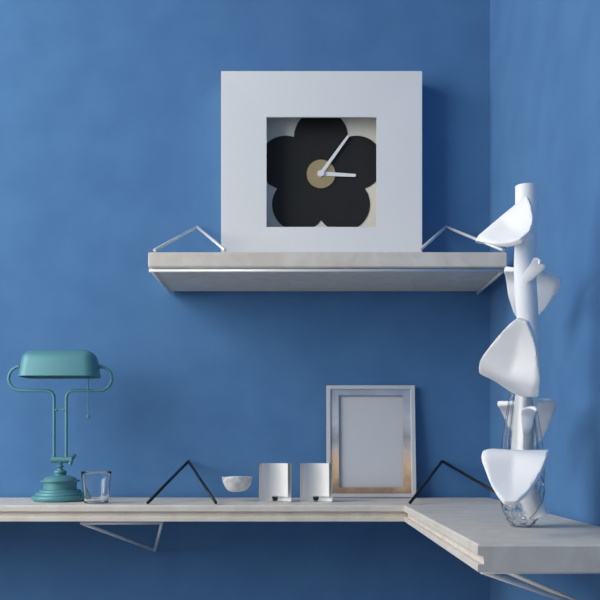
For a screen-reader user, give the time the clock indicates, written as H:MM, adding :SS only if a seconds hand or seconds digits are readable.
3:06
